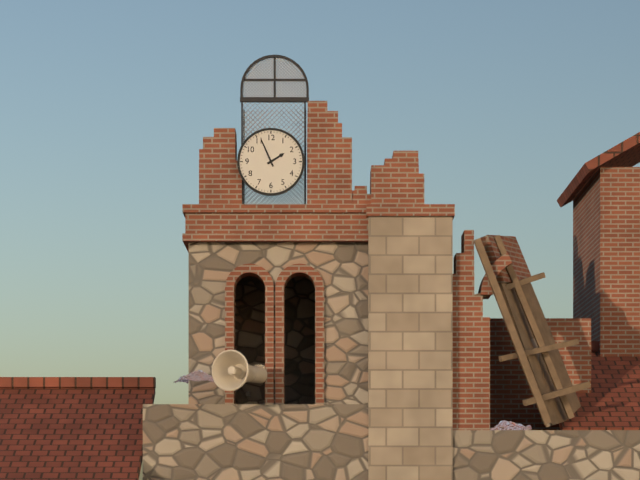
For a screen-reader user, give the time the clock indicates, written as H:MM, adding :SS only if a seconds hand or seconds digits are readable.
1:56
